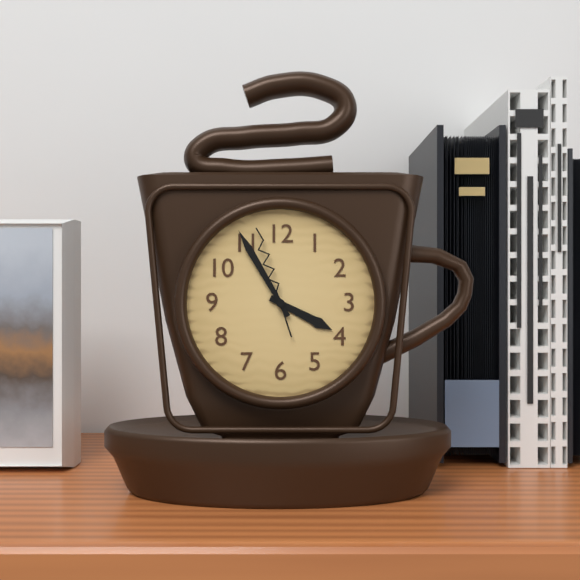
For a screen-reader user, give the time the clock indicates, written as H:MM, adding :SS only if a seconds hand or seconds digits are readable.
3:55:57
